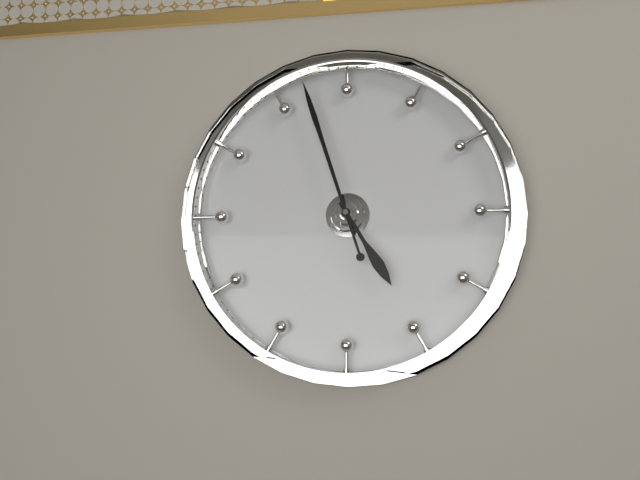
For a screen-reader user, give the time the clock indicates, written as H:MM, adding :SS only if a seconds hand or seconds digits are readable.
4:57
